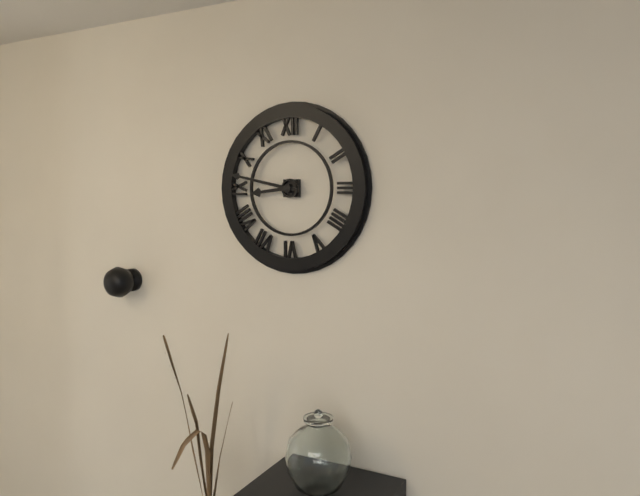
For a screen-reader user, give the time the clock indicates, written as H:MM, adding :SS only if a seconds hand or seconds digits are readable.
8:47
